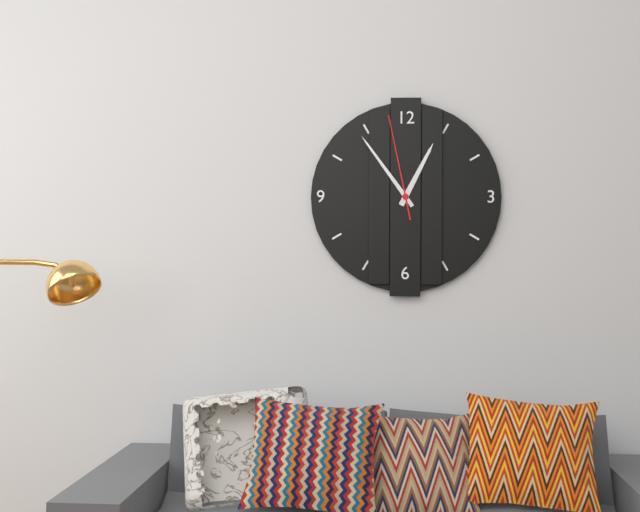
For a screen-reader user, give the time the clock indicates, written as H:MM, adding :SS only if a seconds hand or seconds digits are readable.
12:54:58
